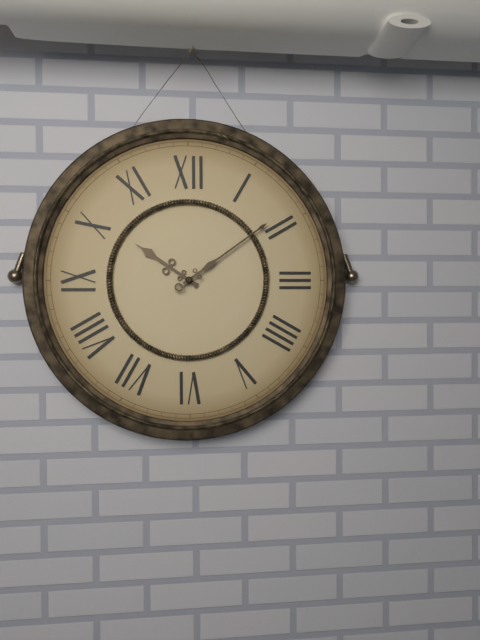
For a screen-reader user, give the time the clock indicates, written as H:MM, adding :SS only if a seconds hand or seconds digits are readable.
10:09
